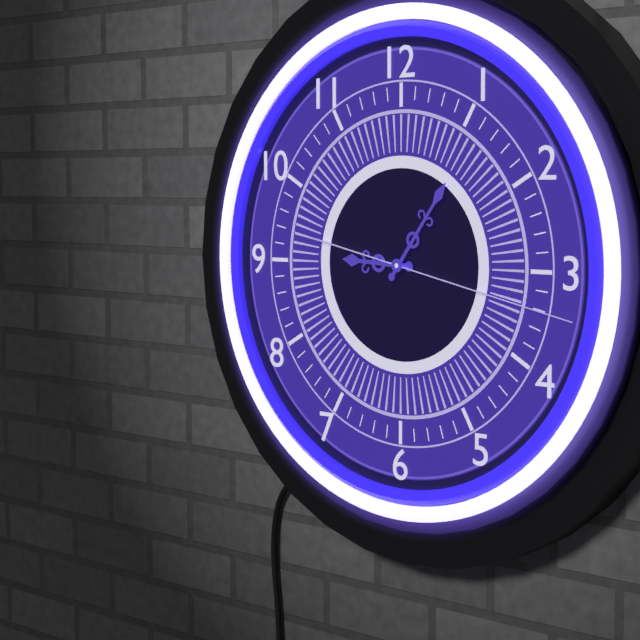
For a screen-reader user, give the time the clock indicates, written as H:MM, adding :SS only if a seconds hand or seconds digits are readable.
9:06:17
